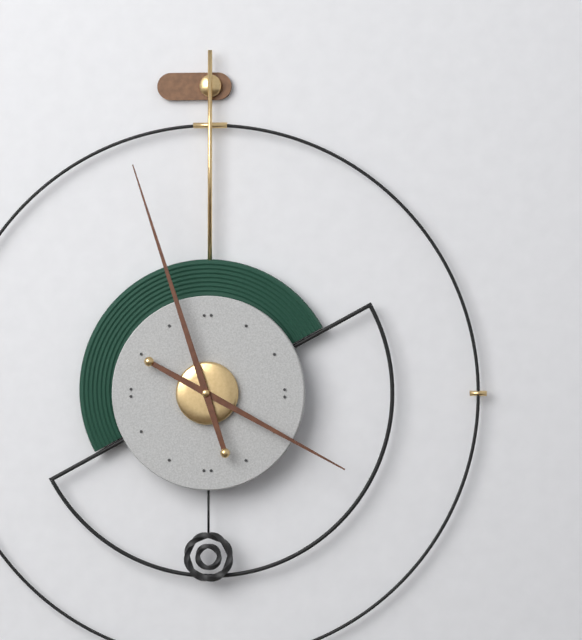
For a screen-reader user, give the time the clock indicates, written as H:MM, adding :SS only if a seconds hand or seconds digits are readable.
3:57
